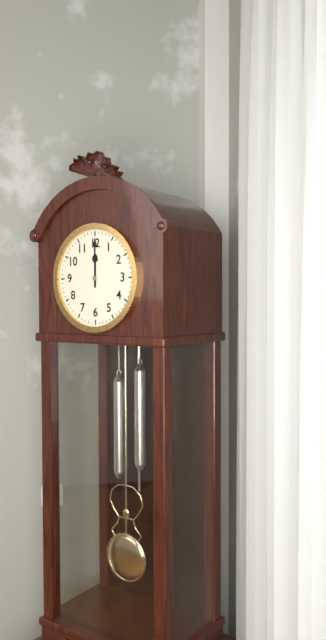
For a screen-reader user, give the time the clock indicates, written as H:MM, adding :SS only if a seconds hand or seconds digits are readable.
12:00
